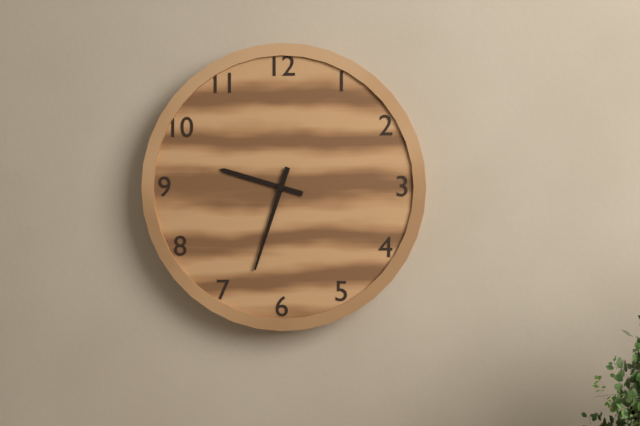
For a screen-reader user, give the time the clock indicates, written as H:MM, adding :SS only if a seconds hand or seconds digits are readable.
9:33
